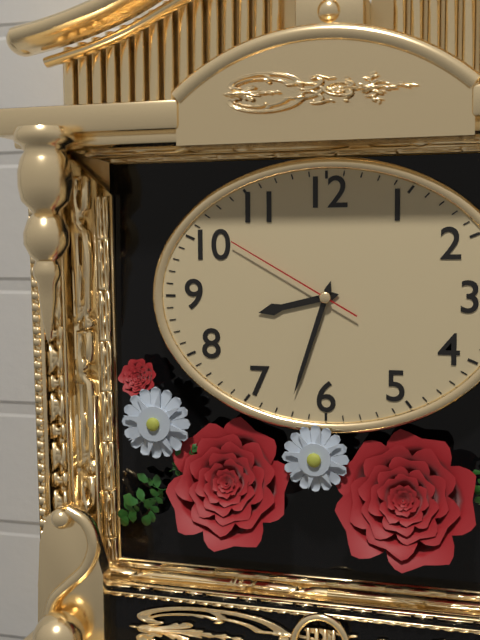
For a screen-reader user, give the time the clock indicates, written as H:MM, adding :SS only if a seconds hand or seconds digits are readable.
8:33:50
